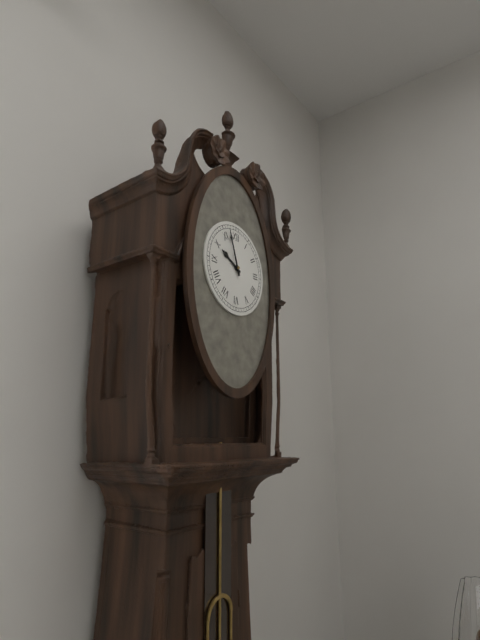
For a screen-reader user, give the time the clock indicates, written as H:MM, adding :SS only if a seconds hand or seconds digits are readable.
9:57
